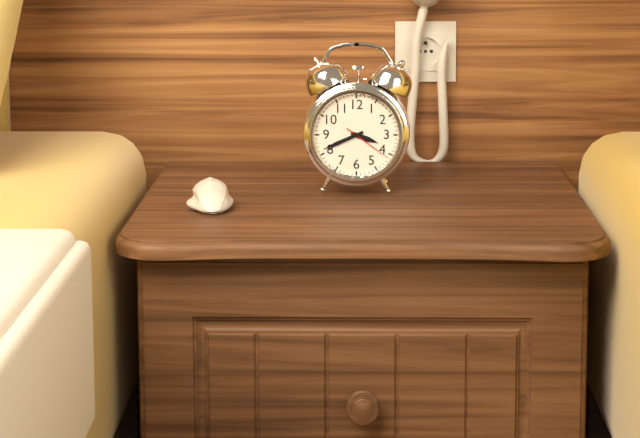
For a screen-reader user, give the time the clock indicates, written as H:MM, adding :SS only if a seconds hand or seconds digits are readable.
3:41
